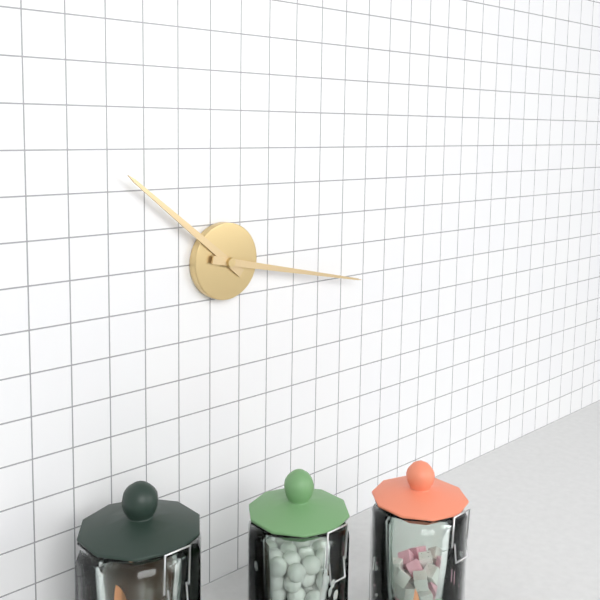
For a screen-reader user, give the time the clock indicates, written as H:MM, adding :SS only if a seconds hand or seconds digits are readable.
10:17
